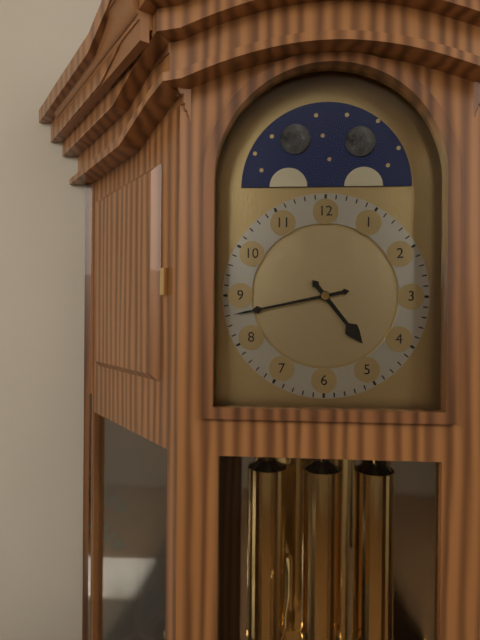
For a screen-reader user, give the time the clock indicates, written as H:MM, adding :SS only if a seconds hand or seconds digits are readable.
4:43
